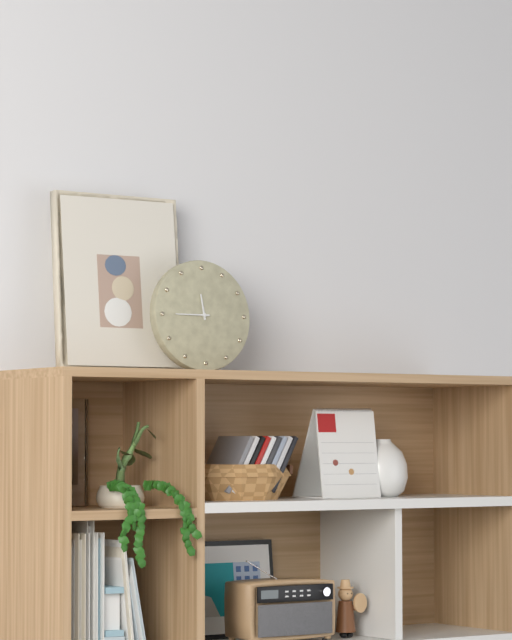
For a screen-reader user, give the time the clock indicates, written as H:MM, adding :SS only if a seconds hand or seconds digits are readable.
11:45
